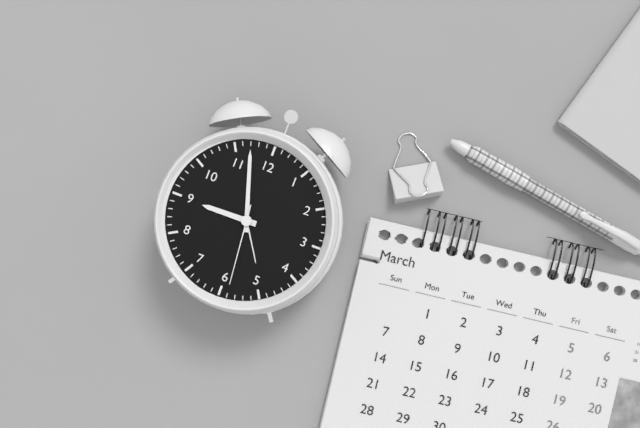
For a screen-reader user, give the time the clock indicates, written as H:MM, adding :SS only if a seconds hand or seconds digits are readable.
8:57:29
